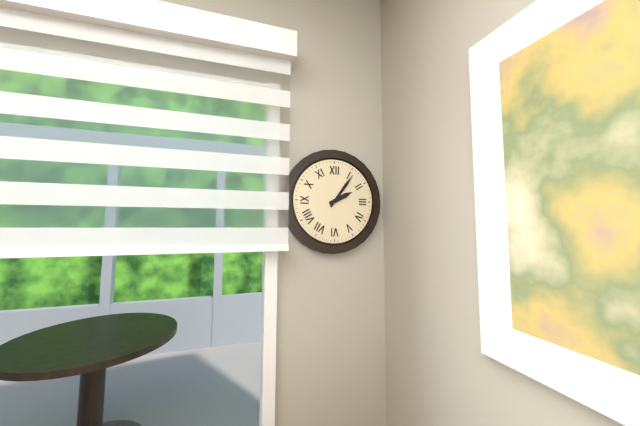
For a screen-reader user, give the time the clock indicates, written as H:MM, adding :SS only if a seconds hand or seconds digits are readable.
2:06
